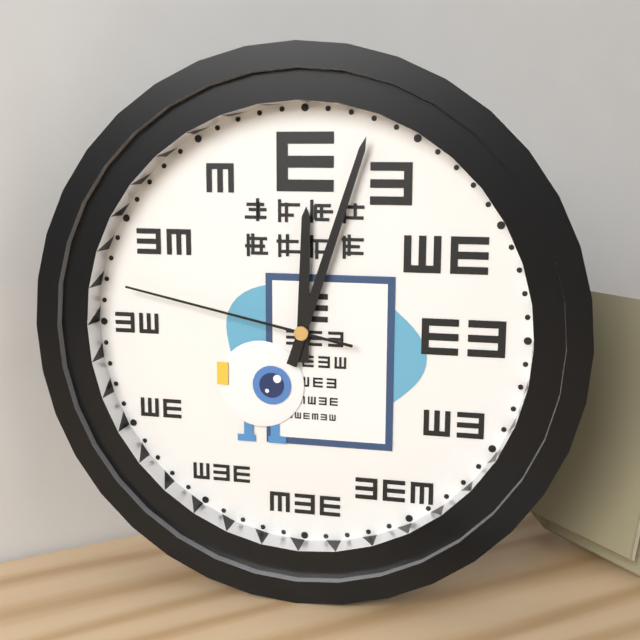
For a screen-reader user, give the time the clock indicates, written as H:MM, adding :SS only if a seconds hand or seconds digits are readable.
12:03:47
